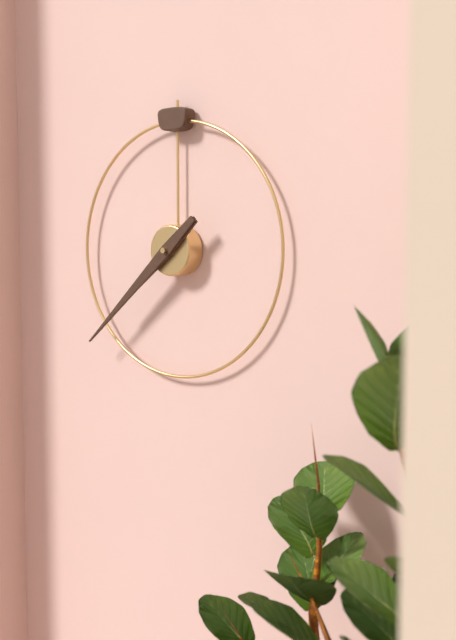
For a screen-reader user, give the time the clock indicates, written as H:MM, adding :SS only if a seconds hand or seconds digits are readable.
7:38
